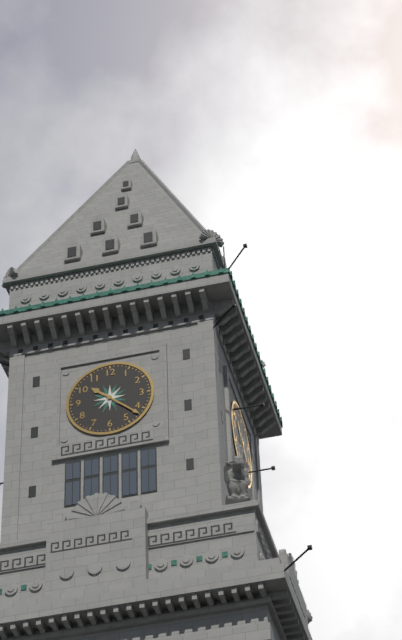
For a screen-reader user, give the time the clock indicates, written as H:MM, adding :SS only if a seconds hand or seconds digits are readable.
10:22
